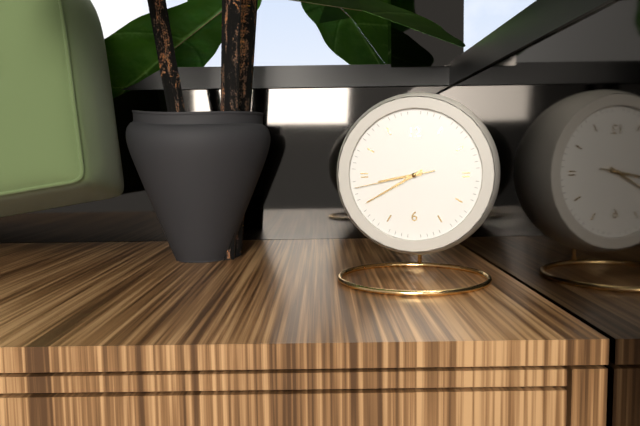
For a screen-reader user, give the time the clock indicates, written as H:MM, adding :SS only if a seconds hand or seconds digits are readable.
8:40:43
